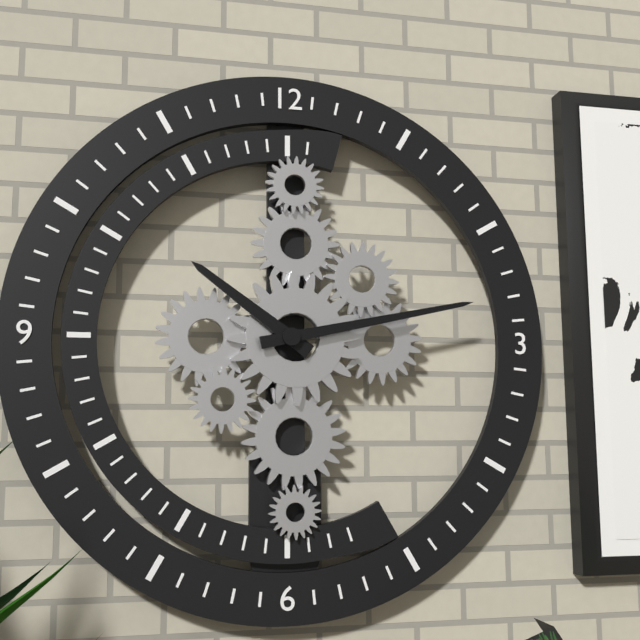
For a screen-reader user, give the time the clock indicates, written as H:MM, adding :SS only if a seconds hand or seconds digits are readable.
10:13
